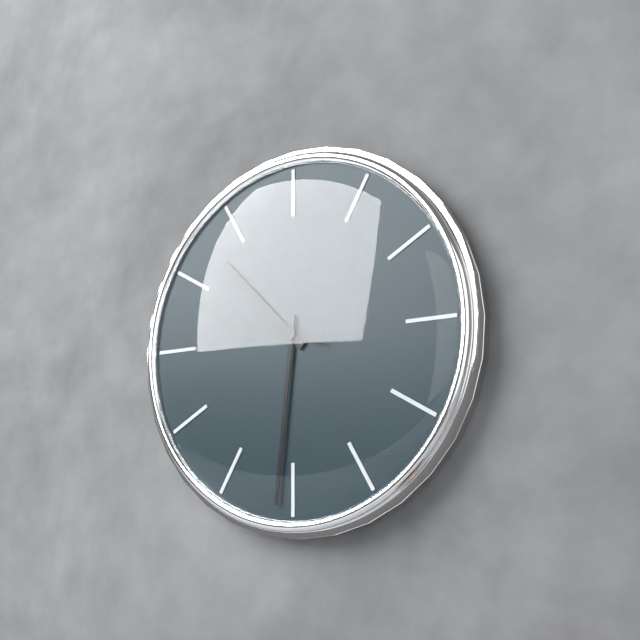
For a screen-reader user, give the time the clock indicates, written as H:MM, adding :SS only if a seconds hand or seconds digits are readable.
10:31:48
